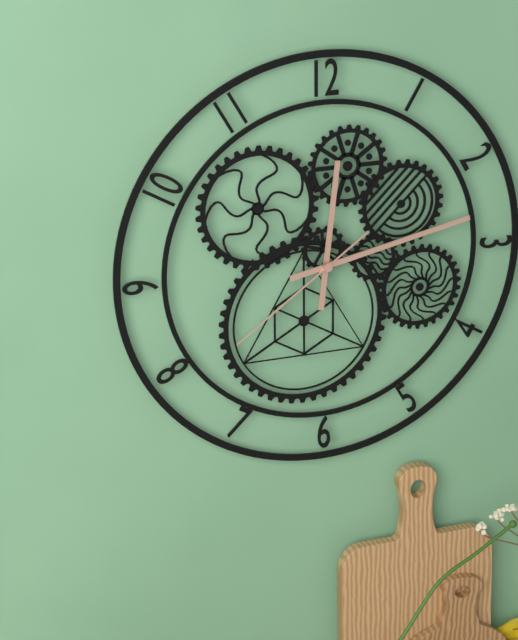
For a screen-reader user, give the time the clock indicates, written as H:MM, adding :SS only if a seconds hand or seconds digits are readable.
12:13:39
